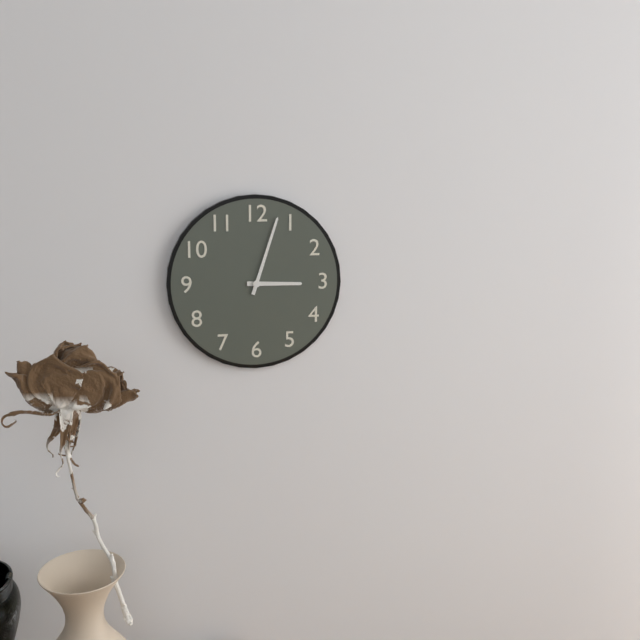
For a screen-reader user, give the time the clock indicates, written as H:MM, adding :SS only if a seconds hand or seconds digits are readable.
3:03
